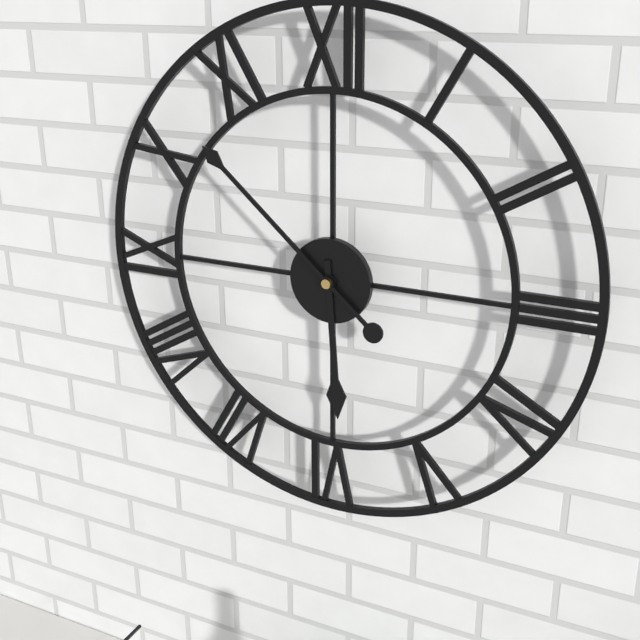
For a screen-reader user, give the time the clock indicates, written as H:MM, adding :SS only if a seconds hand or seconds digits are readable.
5:52
